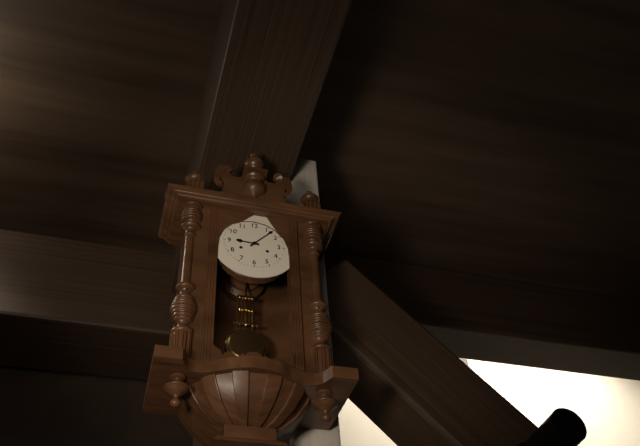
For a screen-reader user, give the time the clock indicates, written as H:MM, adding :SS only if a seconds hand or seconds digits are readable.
9:07
